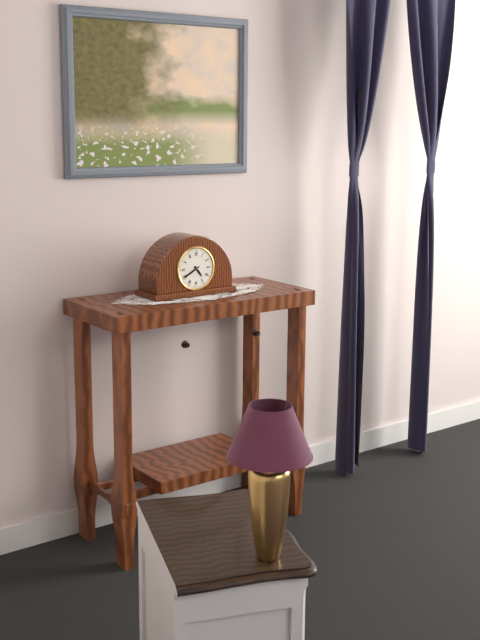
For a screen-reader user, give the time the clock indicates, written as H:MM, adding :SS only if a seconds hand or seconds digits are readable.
4:40
